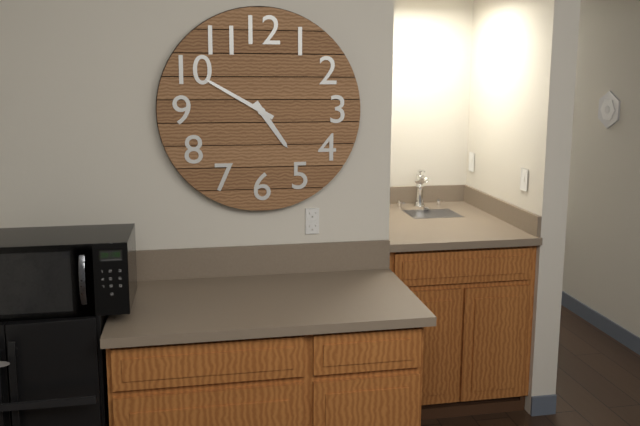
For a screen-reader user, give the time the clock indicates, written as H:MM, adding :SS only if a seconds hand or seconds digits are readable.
4:50
